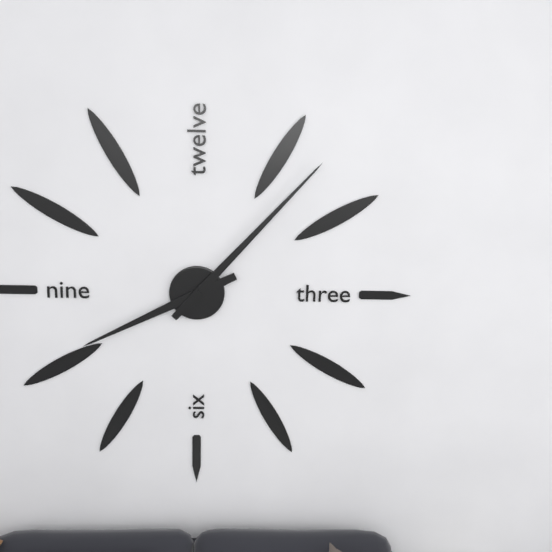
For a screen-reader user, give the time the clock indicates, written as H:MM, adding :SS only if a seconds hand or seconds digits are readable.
8:07
